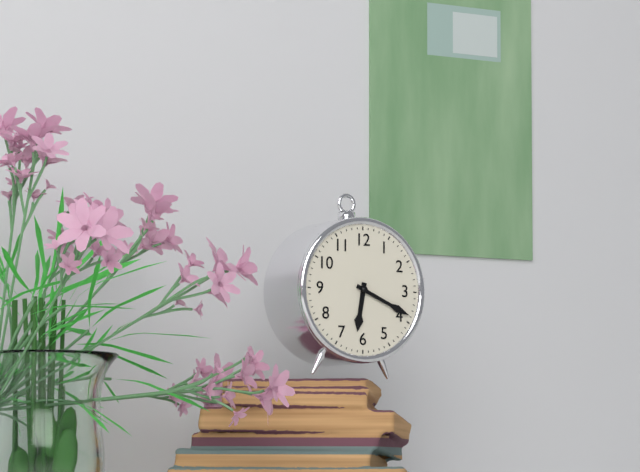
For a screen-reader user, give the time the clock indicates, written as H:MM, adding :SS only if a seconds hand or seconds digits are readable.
6:19
